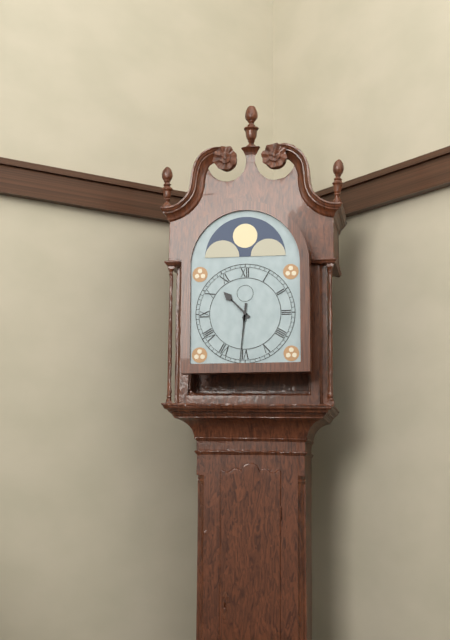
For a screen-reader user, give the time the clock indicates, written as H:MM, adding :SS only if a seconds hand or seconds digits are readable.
10:31
